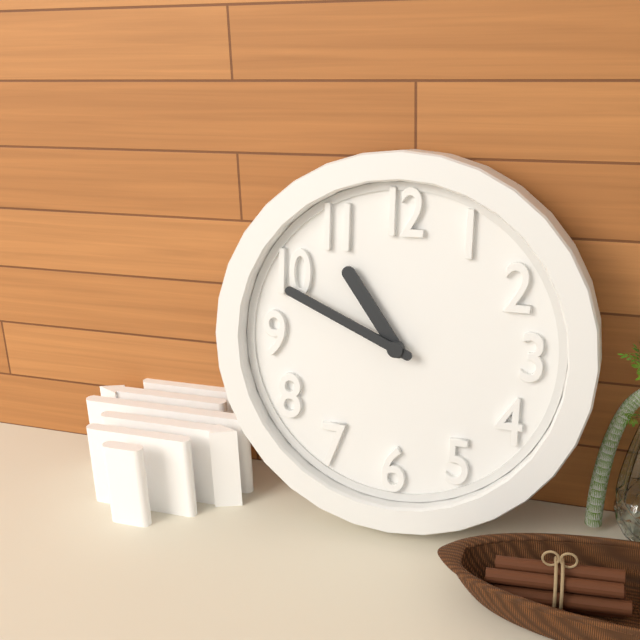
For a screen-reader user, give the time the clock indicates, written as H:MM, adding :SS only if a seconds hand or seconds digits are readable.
10:49
